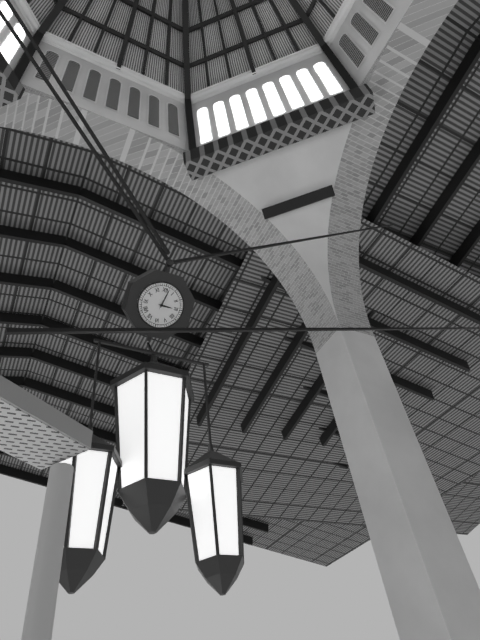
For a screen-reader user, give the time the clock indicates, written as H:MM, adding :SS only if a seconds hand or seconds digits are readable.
3:02
